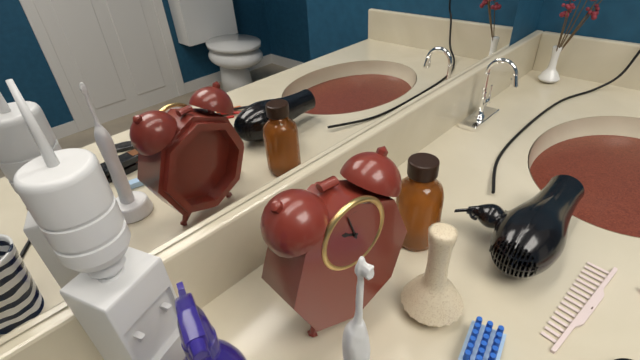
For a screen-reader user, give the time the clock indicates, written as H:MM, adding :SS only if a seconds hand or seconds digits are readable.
9:57
